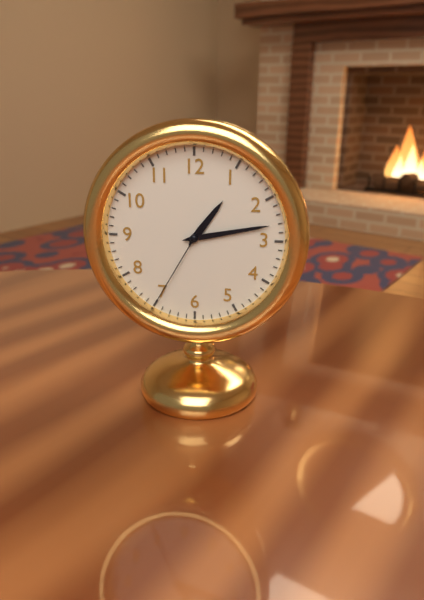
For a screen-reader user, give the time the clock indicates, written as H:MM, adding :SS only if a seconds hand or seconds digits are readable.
1:13:35
